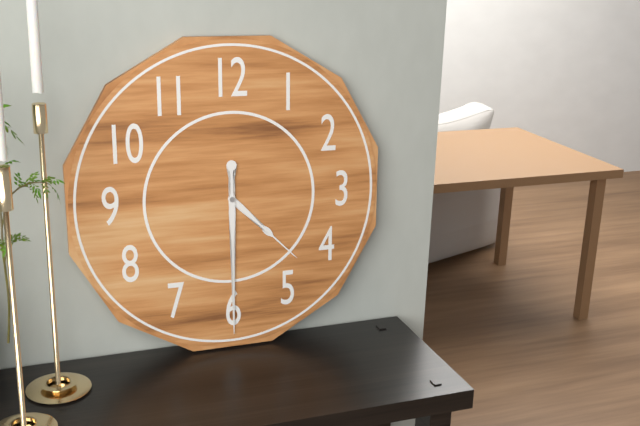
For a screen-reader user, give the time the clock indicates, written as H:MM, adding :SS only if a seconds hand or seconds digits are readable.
4:30
